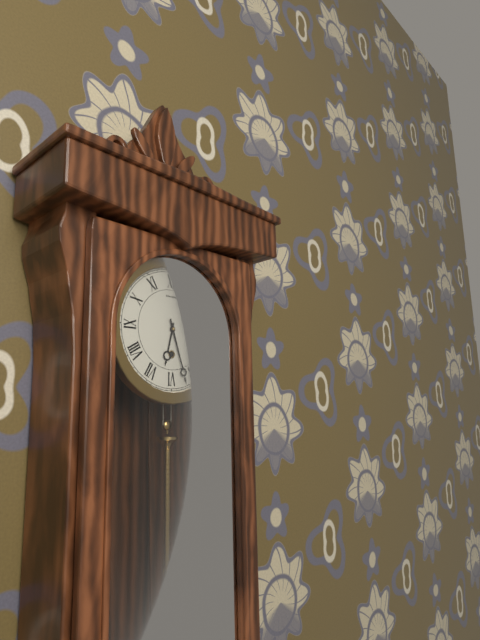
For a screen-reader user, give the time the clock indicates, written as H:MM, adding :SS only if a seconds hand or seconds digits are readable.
6:27
